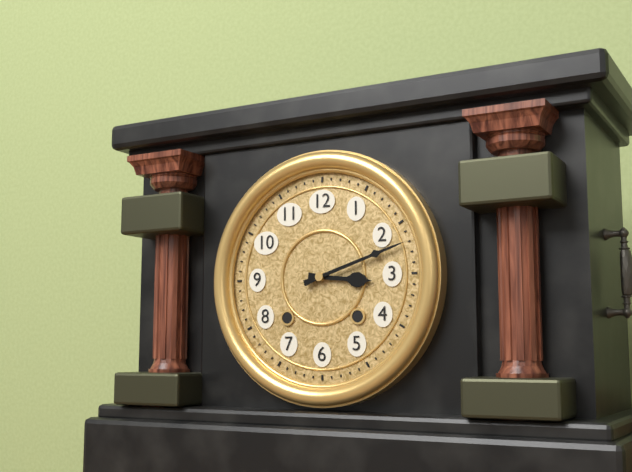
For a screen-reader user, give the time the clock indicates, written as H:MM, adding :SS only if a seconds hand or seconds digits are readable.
3:12
